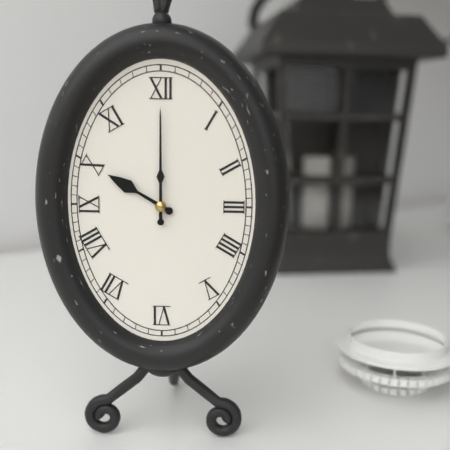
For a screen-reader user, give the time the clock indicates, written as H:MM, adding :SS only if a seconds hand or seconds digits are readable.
10:00
